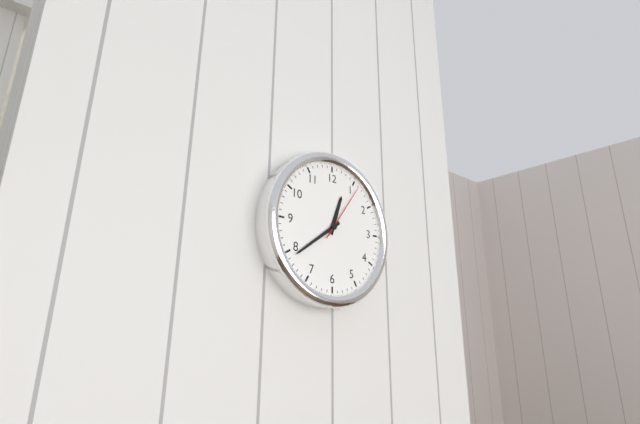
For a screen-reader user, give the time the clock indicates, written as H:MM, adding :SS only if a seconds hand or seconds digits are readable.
12:39:06
